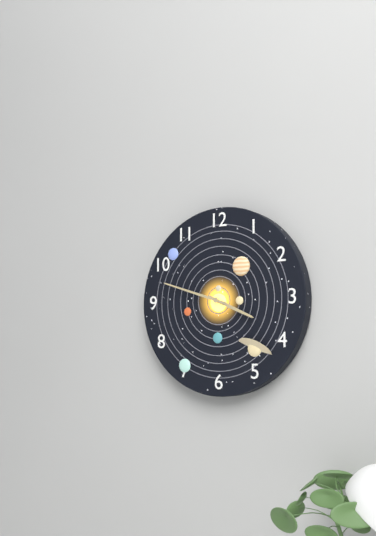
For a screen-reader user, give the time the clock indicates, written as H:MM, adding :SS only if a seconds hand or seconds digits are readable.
3:48
